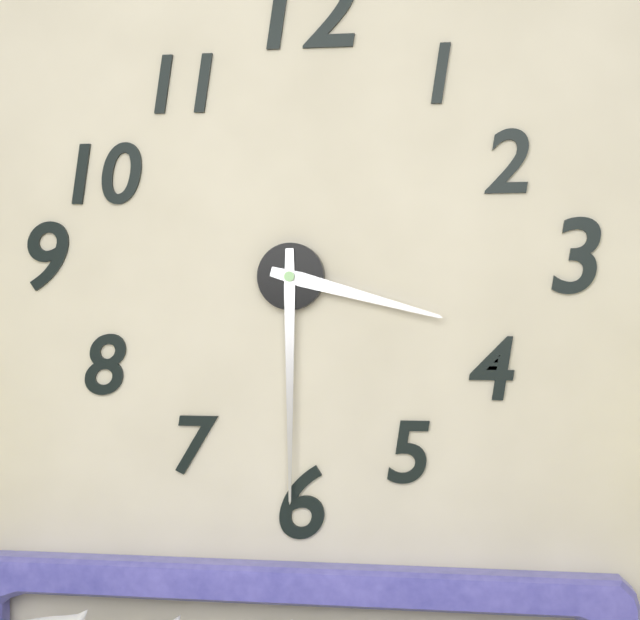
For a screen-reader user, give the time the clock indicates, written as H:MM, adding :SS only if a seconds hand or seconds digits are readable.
3:30
